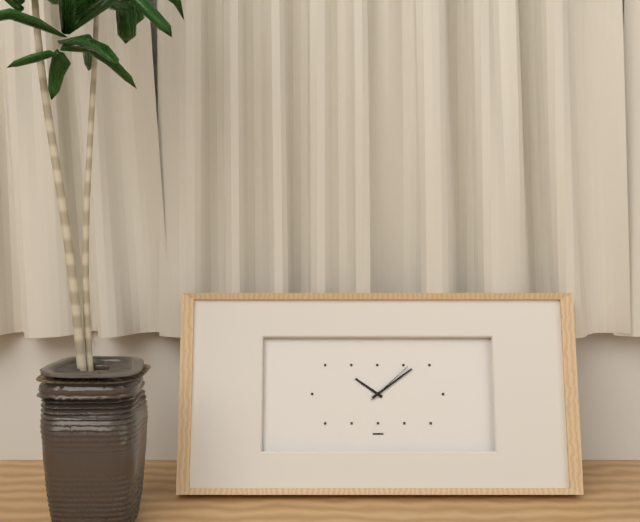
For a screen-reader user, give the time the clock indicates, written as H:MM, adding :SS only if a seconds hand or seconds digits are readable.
10:09:08
